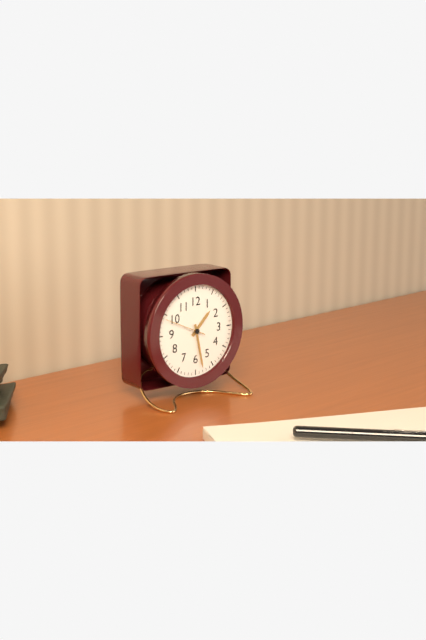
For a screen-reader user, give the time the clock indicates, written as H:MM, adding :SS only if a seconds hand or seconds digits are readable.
1:28
